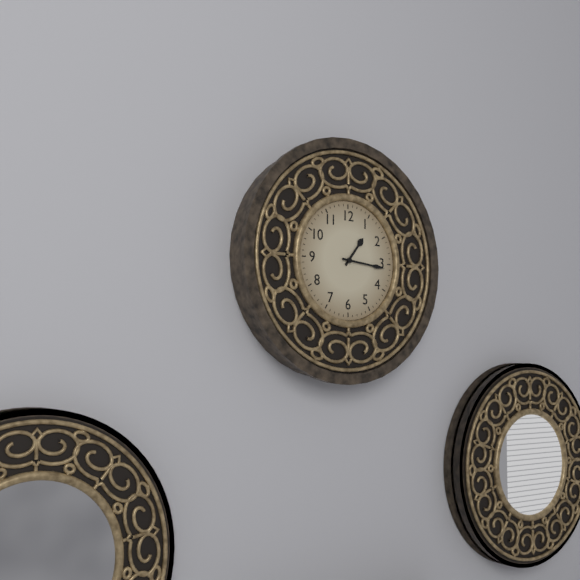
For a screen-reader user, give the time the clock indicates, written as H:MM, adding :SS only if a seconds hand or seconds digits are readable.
1:16
